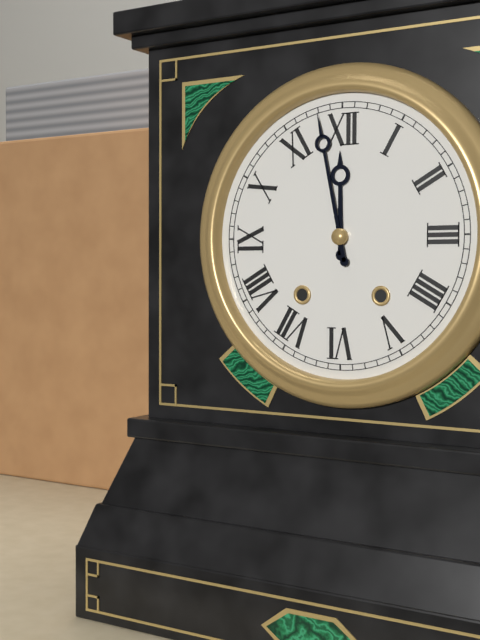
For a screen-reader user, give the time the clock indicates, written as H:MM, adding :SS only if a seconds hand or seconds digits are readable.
11:58
